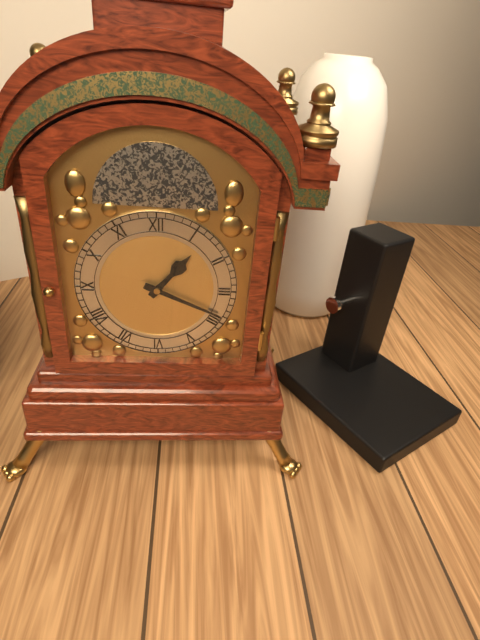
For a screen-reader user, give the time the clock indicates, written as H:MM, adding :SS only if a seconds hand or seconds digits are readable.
1:19
